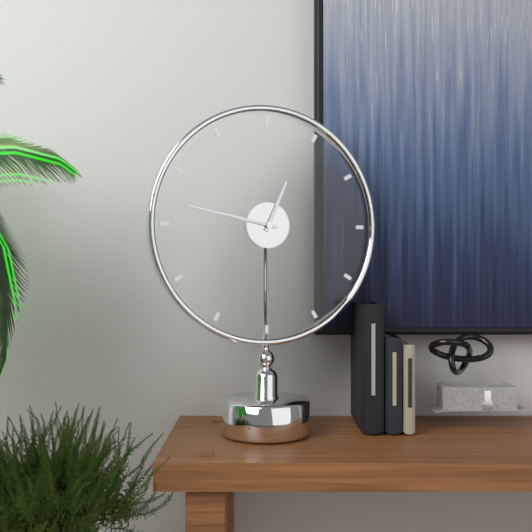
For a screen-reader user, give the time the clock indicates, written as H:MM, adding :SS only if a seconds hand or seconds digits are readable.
12:47
